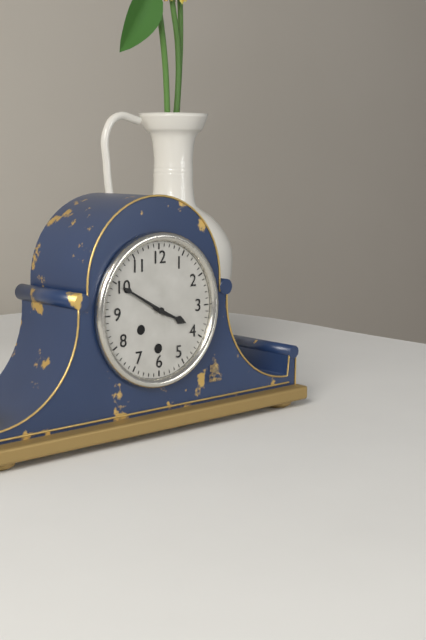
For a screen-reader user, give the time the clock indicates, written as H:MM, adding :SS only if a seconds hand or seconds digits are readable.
3:50
